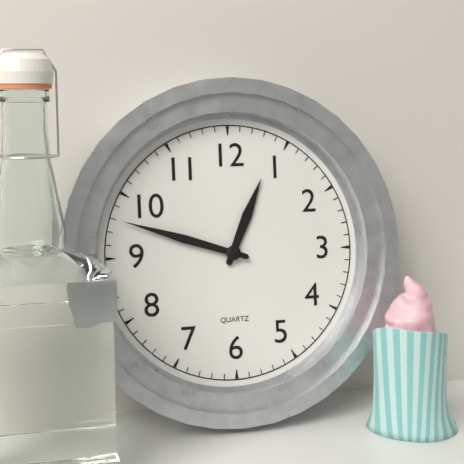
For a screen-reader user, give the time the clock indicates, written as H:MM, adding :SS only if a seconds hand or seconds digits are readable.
12:48
